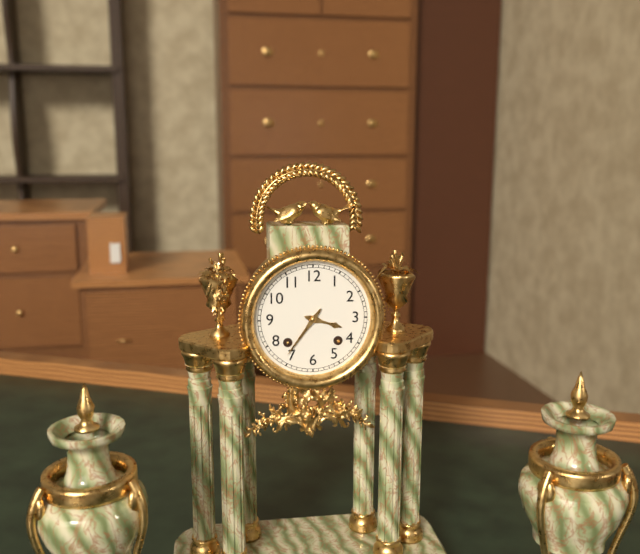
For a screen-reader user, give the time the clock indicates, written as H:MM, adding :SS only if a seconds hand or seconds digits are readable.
3:36
